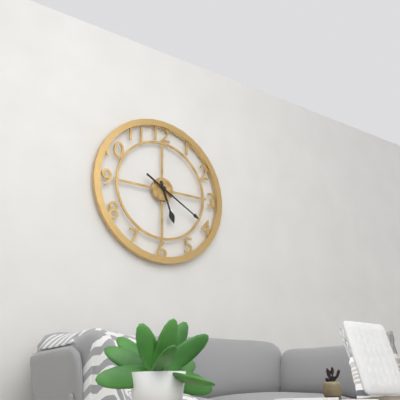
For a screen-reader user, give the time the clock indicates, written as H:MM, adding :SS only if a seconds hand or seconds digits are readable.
5:20
